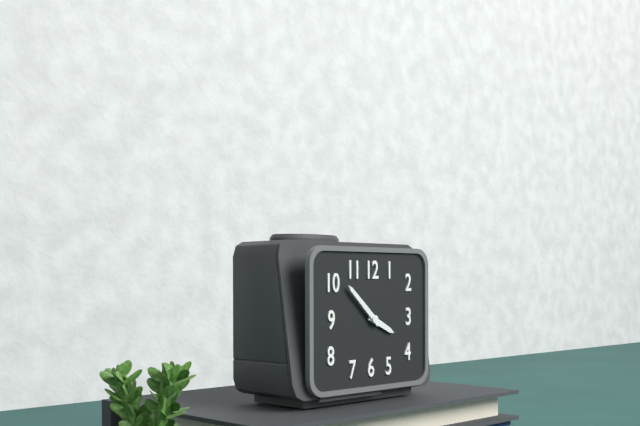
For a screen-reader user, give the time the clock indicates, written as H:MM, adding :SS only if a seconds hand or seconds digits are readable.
3:52
